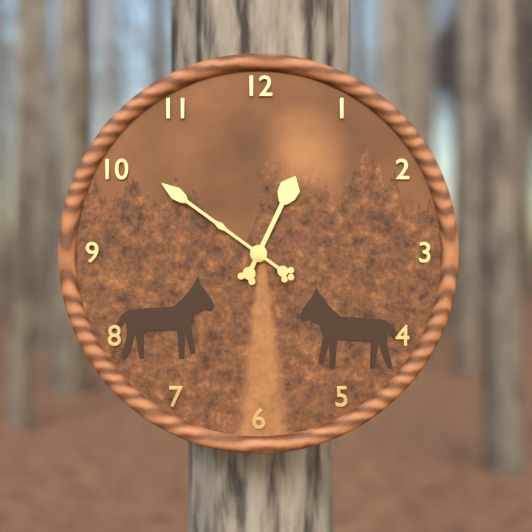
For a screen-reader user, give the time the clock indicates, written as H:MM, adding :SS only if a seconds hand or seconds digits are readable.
12:51
